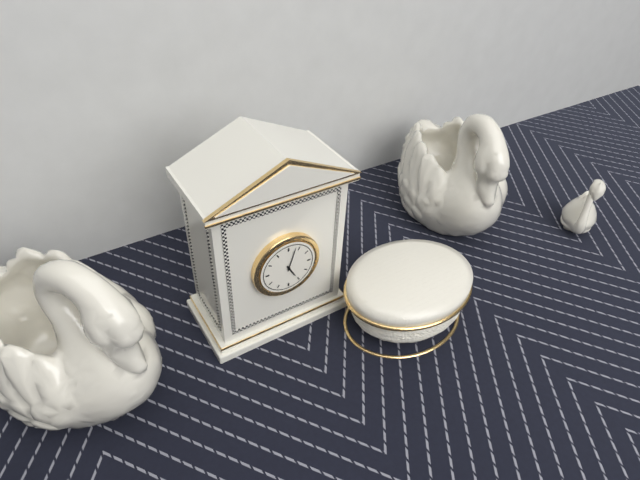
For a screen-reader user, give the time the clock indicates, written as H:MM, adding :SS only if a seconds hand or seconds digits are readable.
5:03
